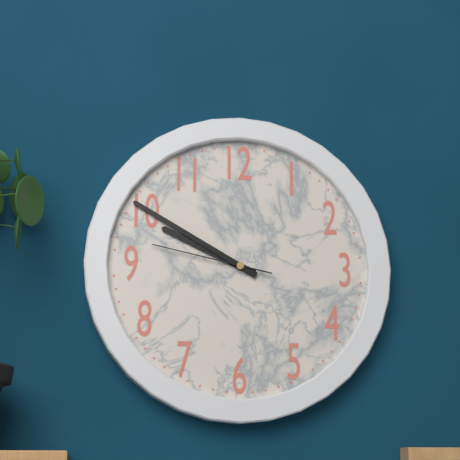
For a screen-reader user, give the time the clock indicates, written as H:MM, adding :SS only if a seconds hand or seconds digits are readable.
9:50:47
